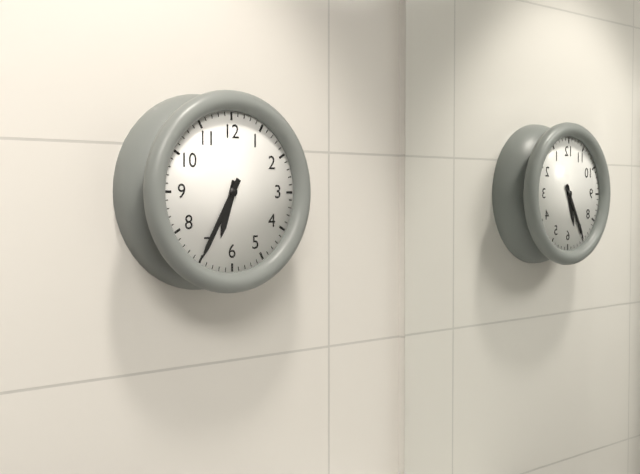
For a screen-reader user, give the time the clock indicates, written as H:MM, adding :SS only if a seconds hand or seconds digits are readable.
6:35
